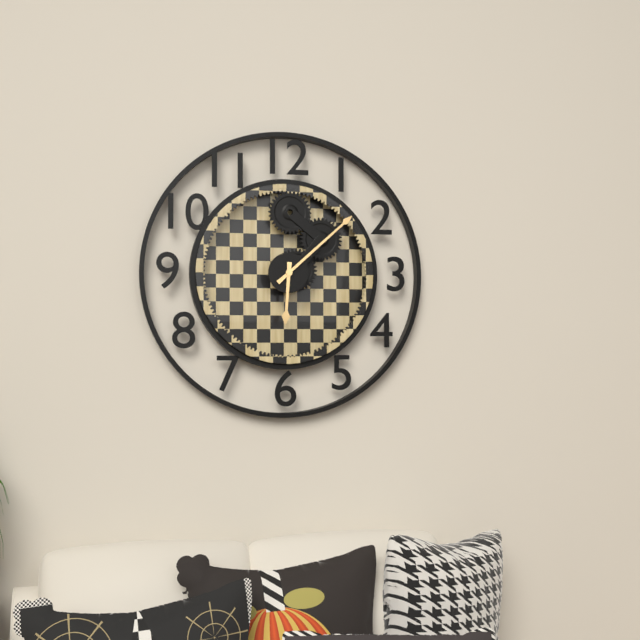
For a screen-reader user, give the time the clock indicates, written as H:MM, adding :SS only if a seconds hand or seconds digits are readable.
6:08
